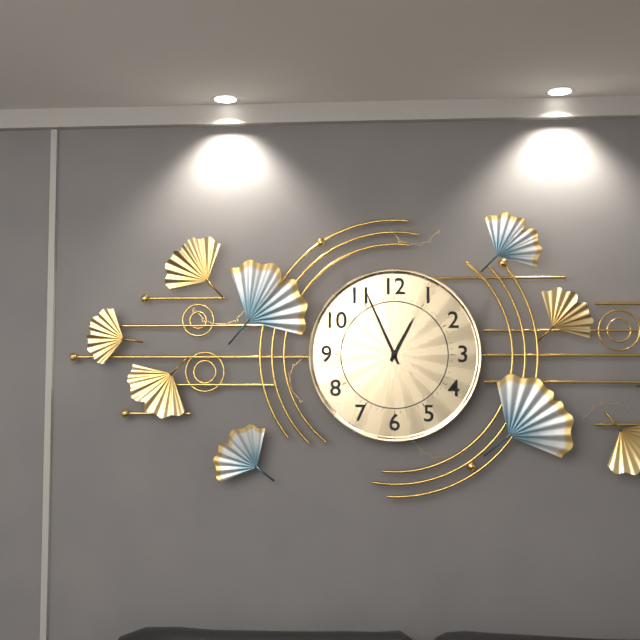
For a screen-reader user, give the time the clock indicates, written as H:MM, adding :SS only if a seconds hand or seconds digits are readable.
12:56
